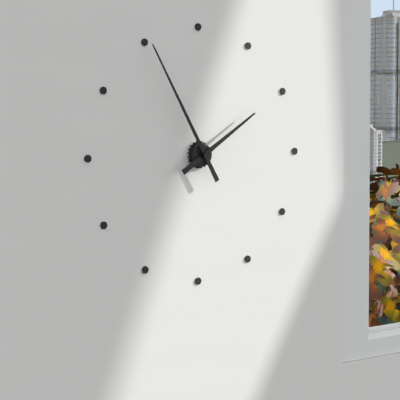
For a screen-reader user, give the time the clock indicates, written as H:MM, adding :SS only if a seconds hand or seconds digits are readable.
1:55
